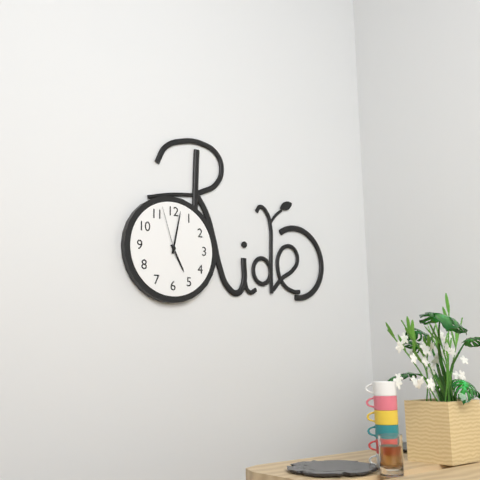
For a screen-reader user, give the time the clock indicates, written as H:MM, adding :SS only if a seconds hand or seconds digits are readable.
5:02:57
